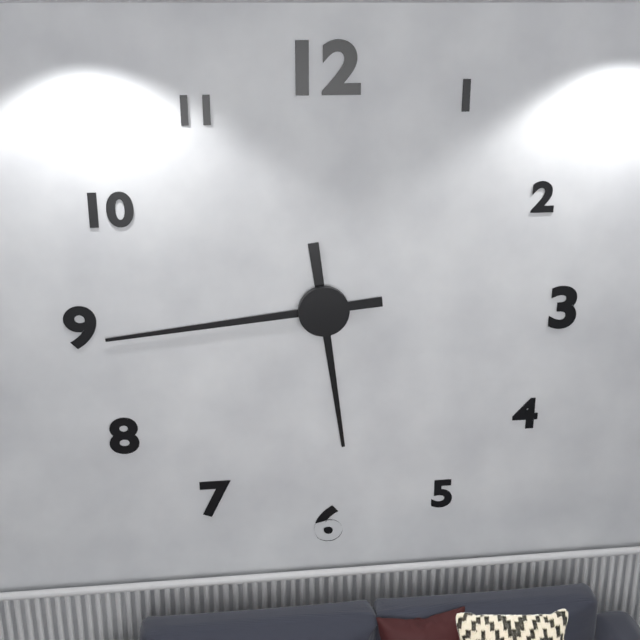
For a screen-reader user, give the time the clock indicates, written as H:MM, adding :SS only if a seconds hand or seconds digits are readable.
5:44
